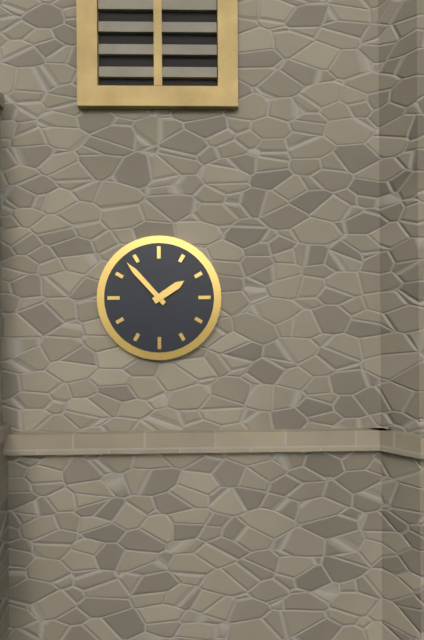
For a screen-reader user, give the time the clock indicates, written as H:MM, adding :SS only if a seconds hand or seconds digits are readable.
1:53
